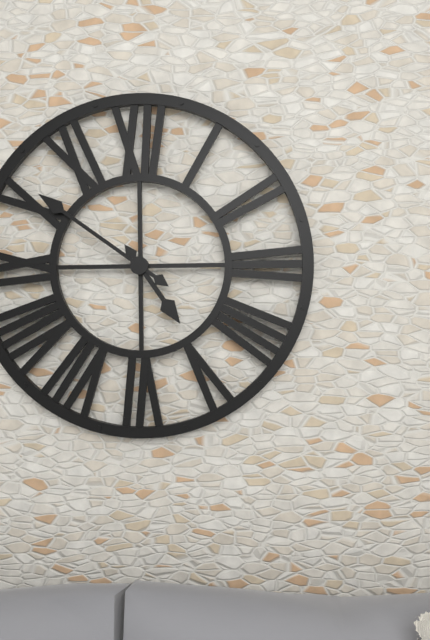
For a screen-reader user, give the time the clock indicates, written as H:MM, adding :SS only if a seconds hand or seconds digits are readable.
4:51
